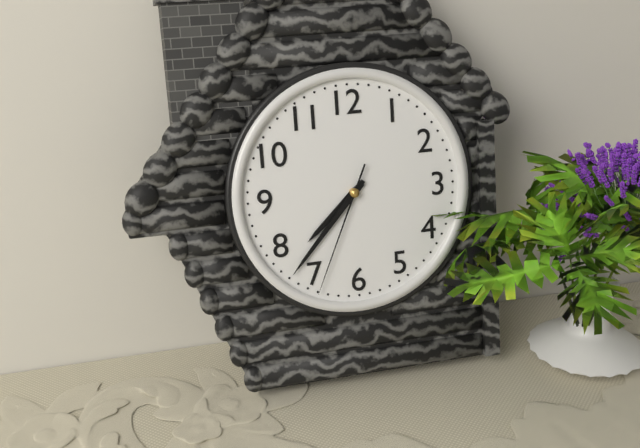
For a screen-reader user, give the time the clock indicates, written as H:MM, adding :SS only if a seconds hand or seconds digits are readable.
7:37:34
